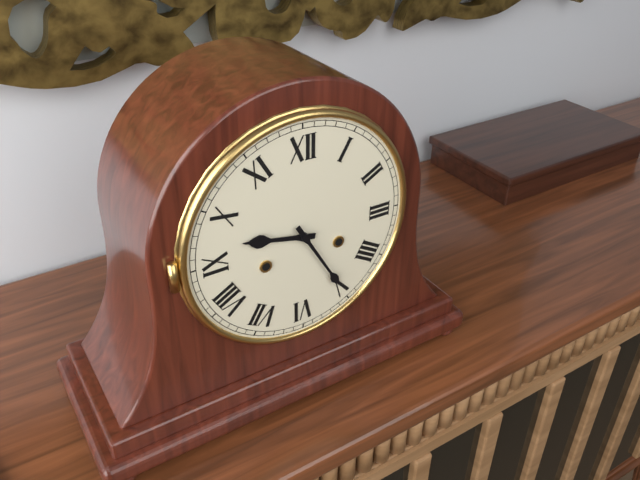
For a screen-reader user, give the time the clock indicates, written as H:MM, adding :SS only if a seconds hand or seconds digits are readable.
9:25
